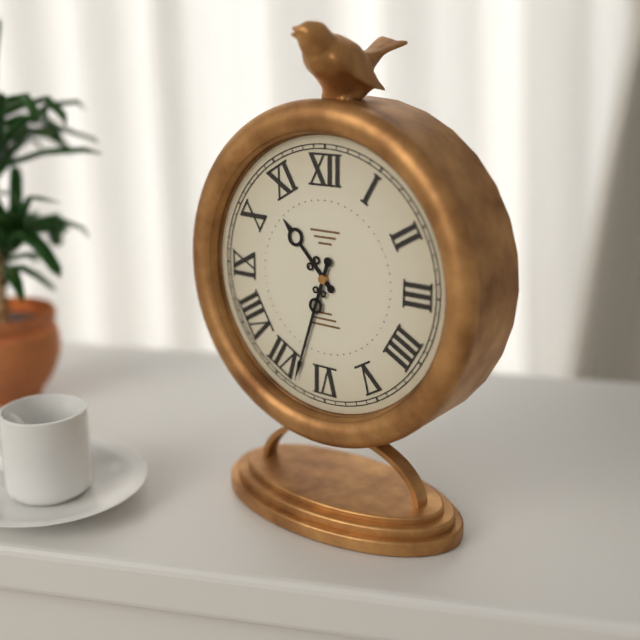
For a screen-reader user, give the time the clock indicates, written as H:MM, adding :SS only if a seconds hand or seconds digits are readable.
10:33
